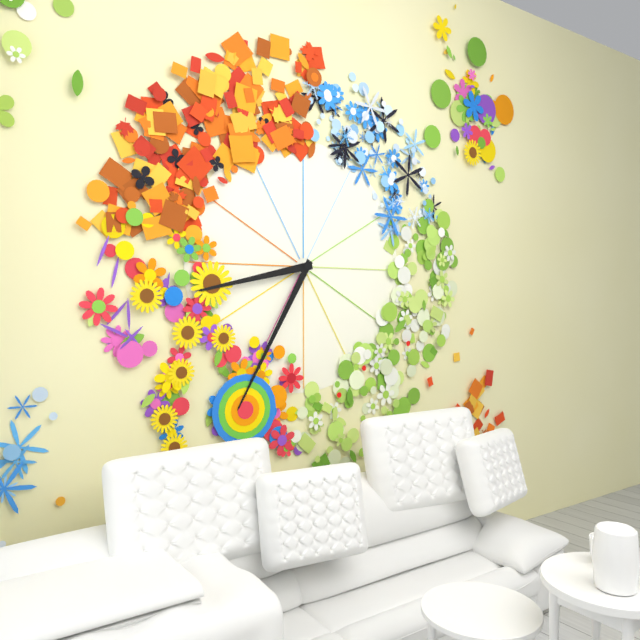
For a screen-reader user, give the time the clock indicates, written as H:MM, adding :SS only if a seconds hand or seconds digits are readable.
8:35
